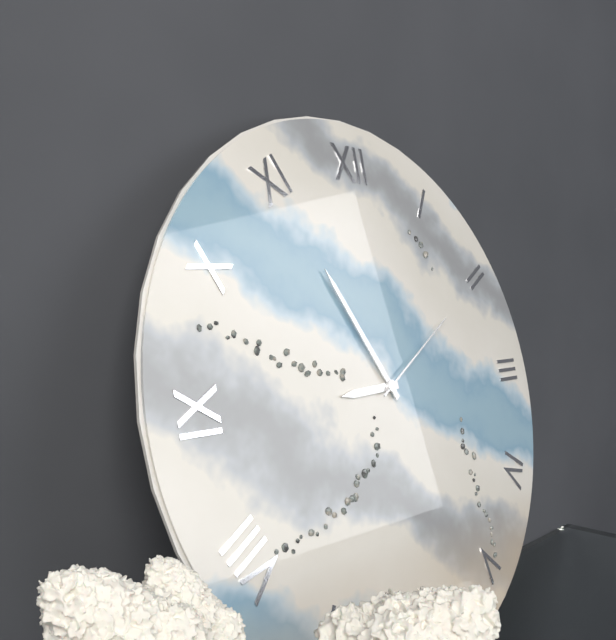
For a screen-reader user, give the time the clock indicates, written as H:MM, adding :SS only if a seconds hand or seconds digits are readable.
8:55:10
